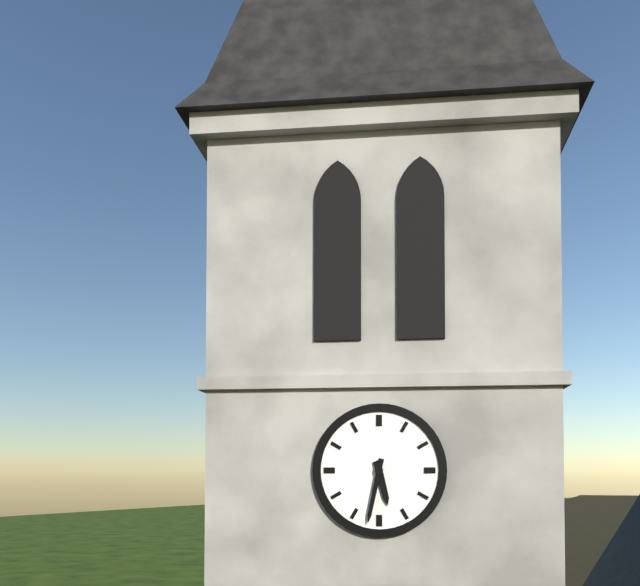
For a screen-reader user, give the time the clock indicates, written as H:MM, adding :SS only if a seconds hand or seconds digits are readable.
5:32
